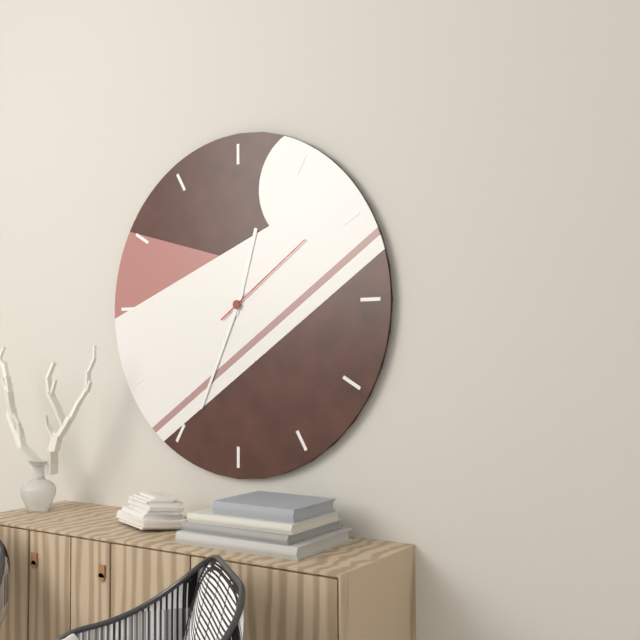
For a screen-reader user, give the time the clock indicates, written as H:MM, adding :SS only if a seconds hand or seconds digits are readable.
12:34:09
